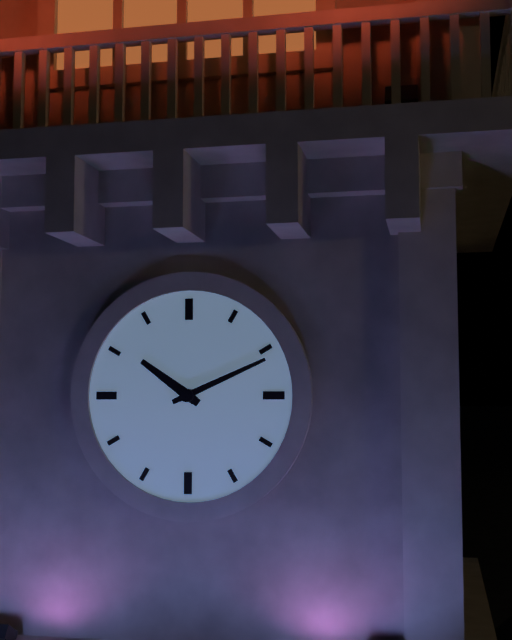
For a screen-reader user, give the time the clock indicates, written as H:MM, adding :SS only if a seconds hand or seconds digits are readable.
10:11
